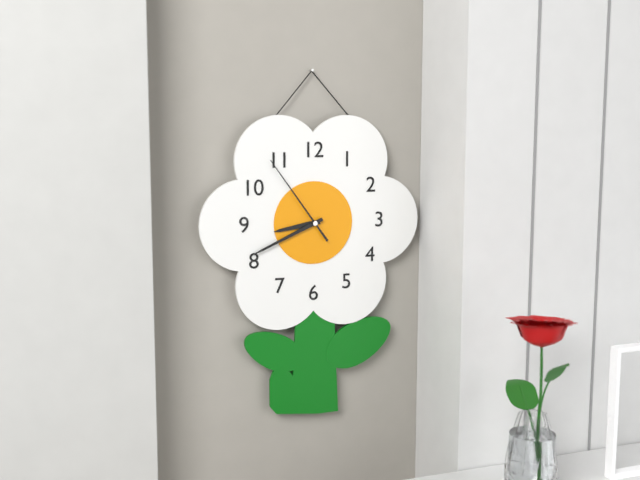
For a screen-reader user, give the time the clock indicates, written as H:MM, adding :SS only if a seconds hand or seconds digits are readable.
8:41:54
